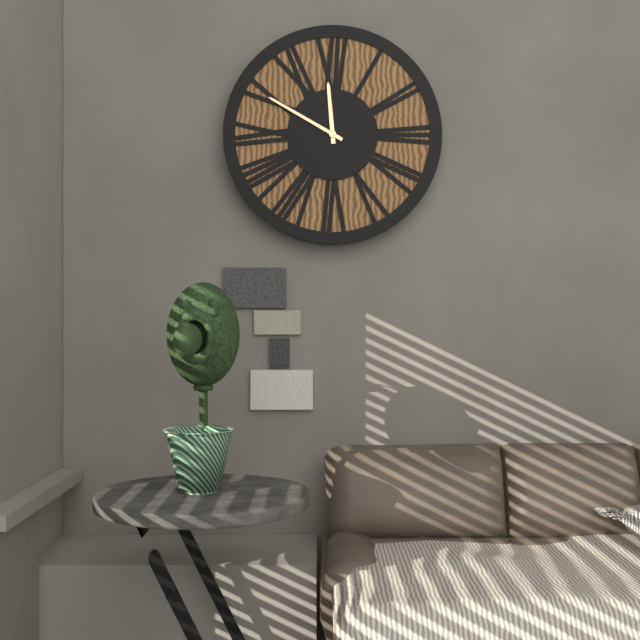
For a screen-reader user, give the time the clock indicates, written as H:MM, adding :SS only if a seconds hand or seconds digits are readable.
11:50
